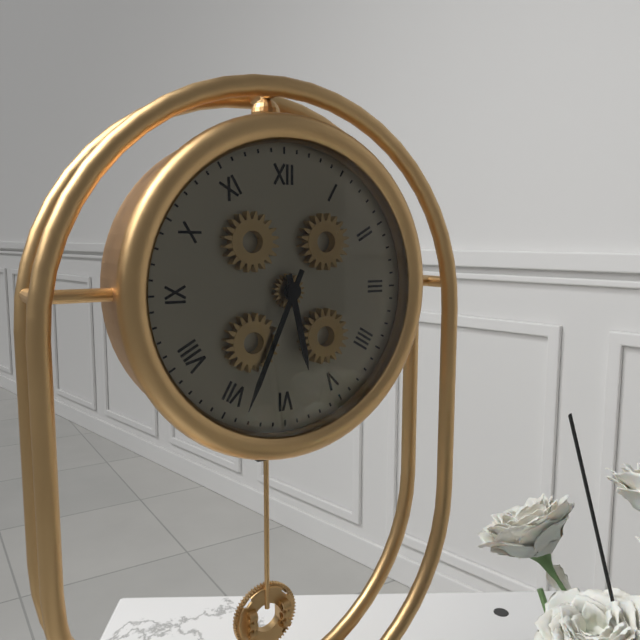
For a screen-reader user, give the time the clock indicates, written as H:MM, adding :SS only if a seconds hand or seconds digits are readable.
5:34
